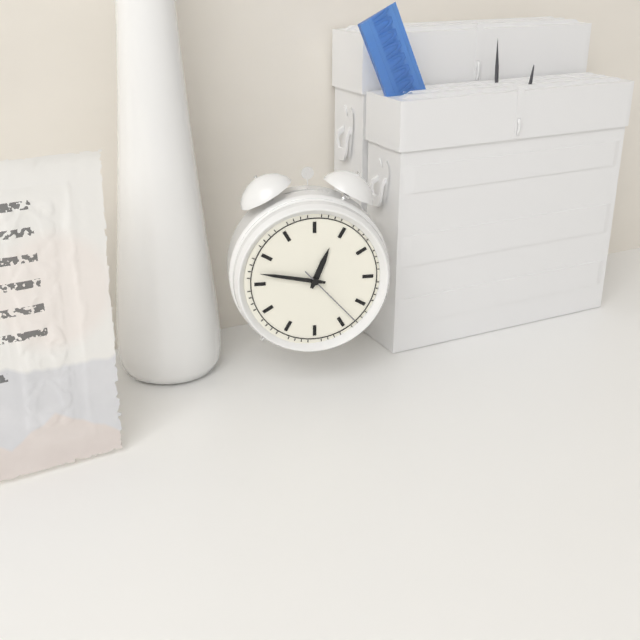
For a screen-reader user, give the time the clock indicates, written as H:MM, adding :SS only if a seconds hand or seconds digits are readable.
12:47:23
